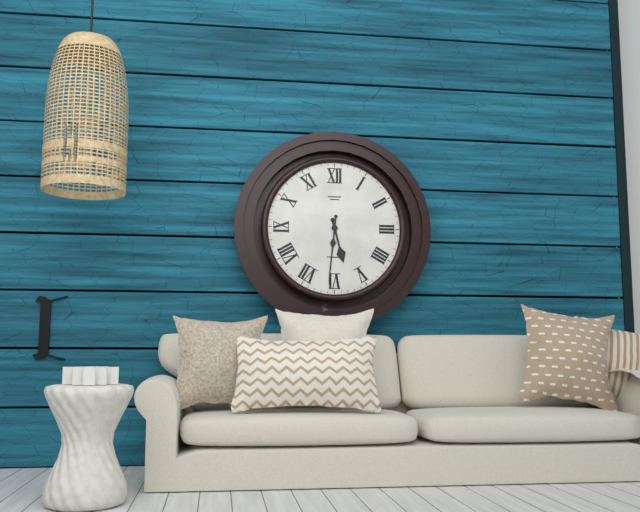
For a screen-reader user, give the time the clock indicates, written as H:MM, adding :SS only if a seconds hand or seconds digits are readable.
5:31
